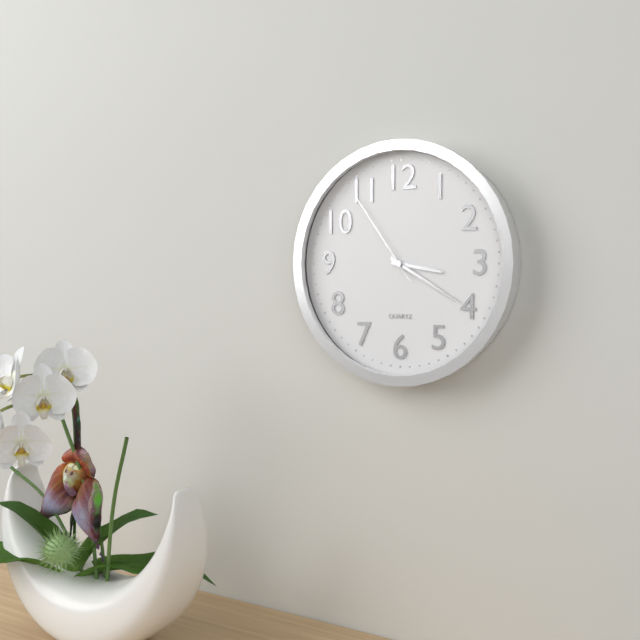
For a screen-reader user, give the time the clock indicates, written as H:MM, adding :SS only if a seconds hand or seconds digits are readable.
3:20:54
